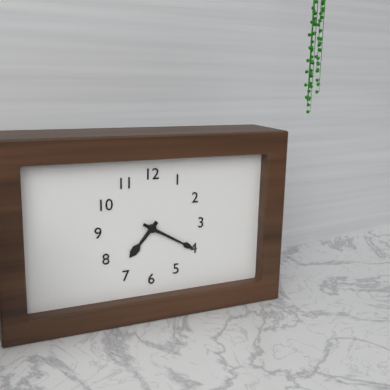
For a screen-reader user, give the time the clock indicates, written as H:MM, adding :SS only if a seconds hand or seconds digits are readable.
7:20
